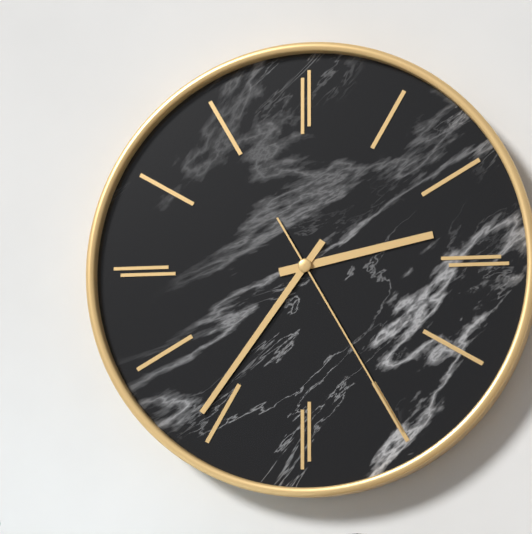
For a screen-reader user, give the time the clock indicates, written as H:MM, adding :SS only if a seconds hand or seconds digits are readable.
2:36:25
